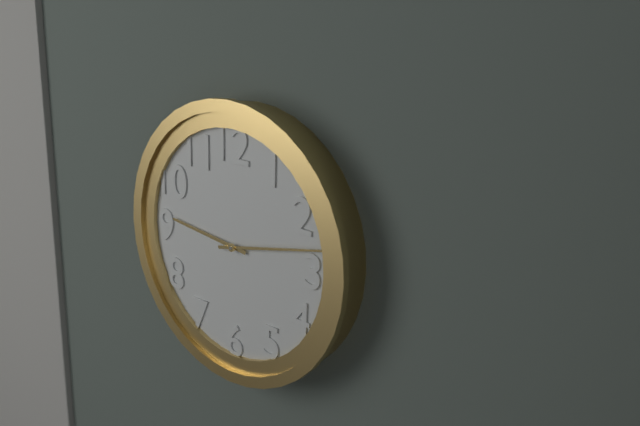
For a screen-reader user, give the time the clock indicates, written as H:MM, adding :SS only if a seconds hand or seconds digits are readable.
9:13
